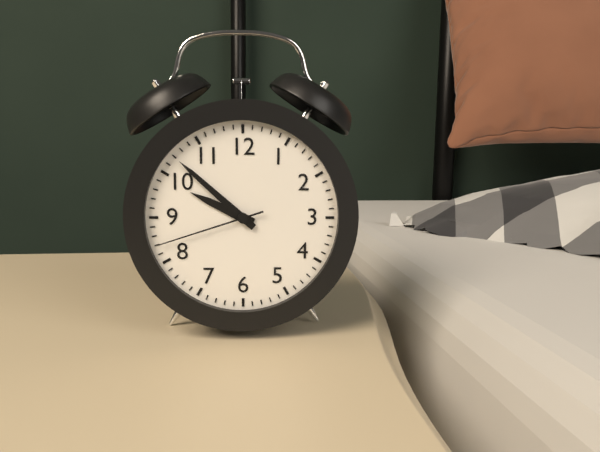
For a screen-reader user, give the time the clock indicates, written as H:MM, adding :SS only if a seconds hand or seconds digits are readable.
9:52:42
